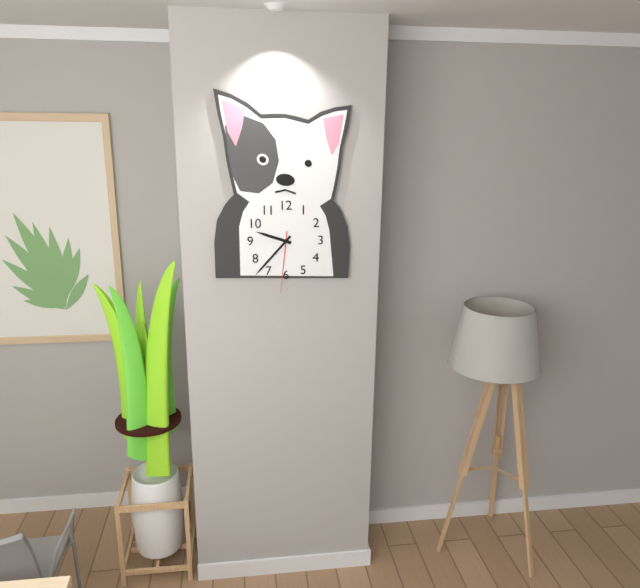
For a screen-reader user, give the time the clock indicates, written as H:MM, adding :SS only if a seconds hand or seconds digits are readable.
9:37:31
